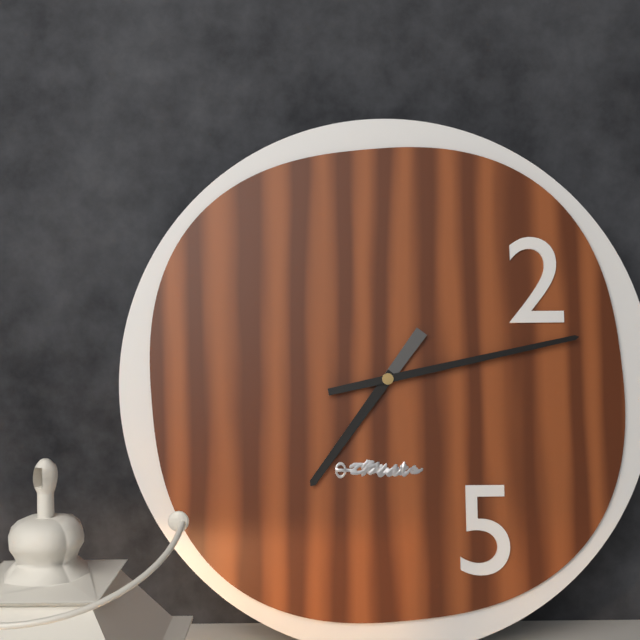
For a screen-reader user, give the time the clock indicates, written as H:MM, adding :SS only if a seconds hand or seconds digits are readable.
7:13
